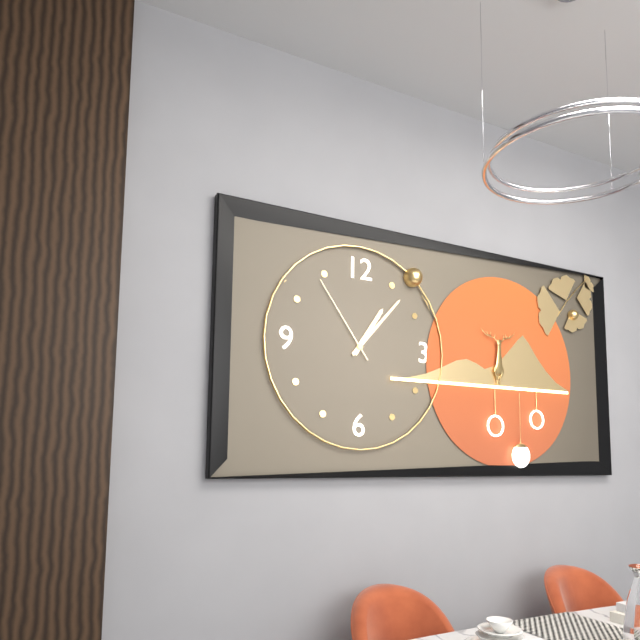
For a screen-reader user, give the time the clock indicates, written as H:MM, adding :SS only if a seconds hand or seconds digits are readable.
1:07:54
